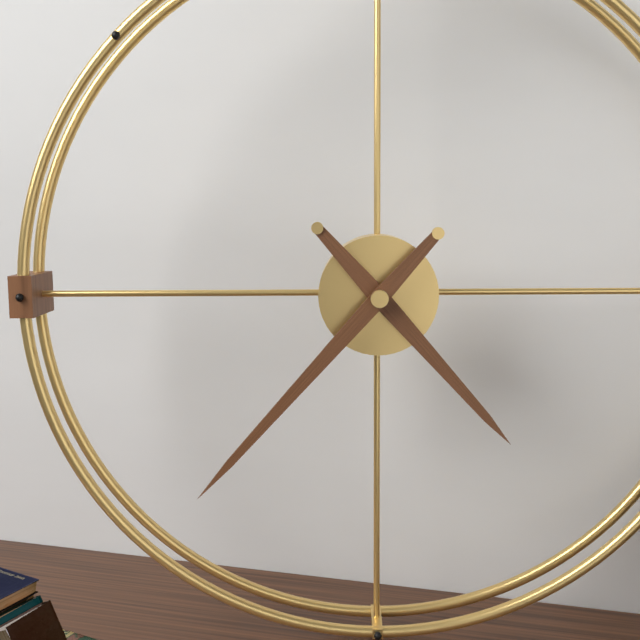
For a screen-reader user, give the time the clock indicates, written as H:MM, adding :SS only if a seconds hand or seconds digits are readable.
4:37
